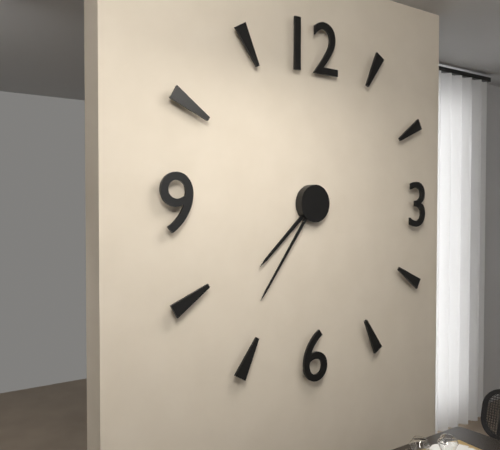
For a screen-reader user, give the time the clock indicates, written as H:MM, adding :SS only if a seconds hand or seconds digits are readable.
7:36
